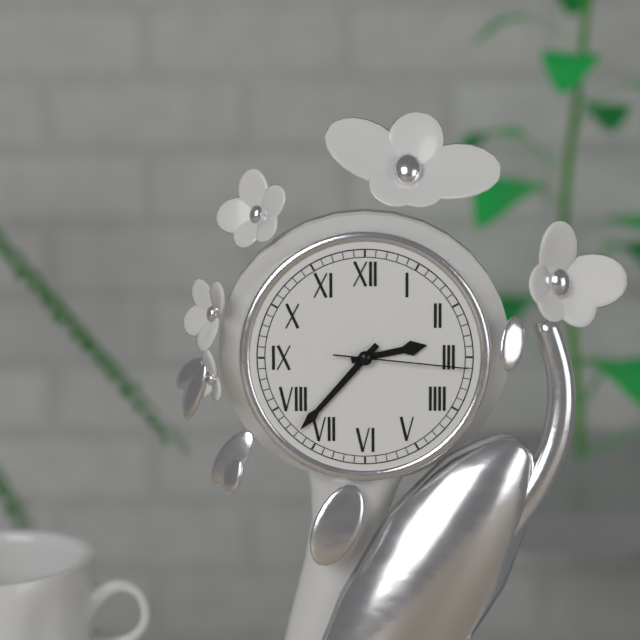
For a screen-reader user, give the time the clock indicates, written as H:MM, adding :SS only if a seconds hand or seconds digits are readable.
2:37:16
